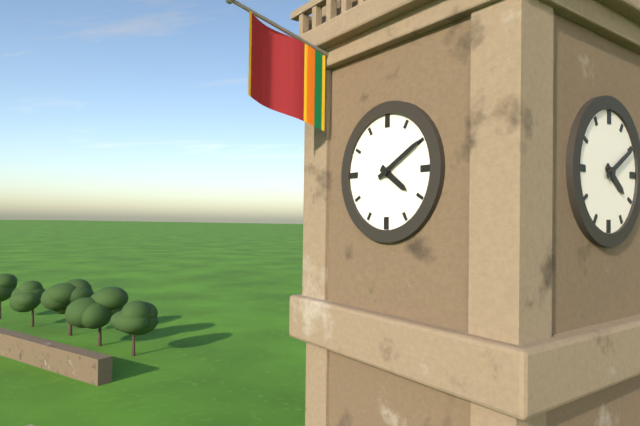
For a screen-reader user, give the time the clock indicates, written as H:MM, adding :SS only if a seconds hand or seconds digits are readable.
4:10
